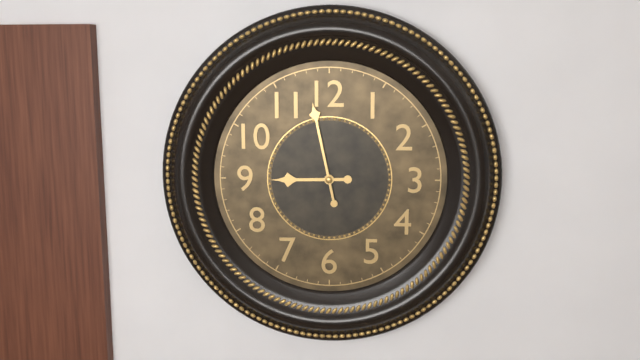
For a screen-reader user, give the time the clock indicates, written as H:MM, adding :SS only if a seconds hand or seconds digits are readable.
8:58
